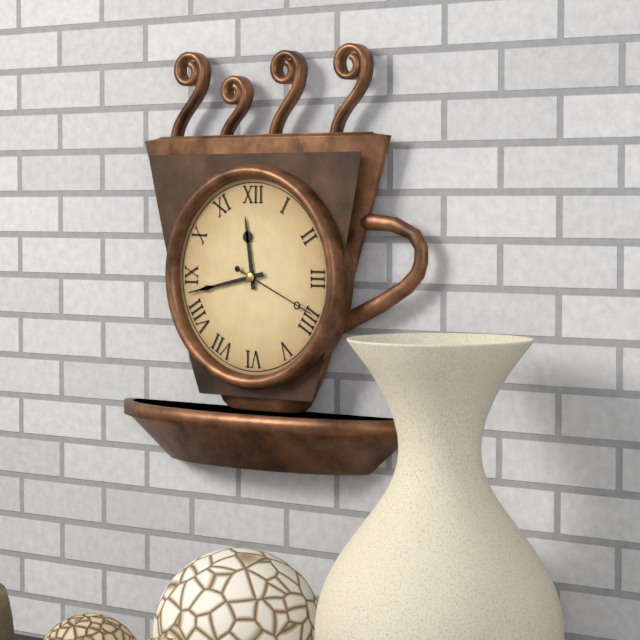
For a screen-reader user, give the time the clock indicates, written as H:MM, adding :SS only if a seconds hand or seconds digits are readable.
11:43:19
